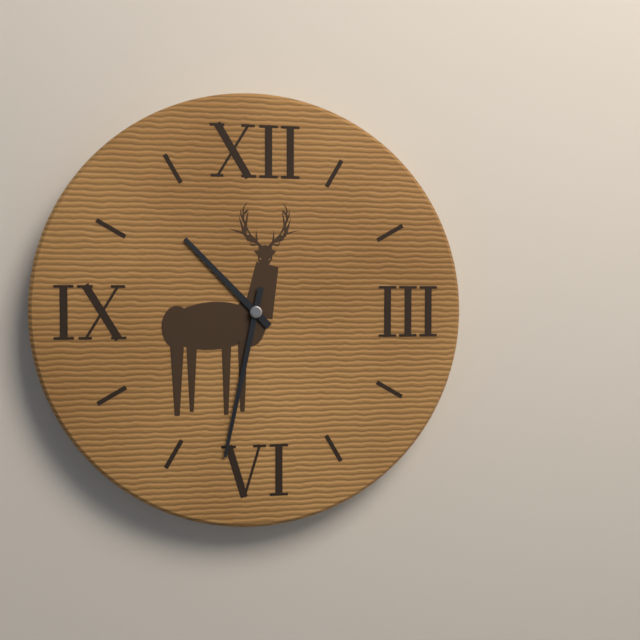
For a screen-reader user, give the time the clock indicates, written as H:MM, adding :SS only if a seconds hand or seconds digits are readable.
10:32
